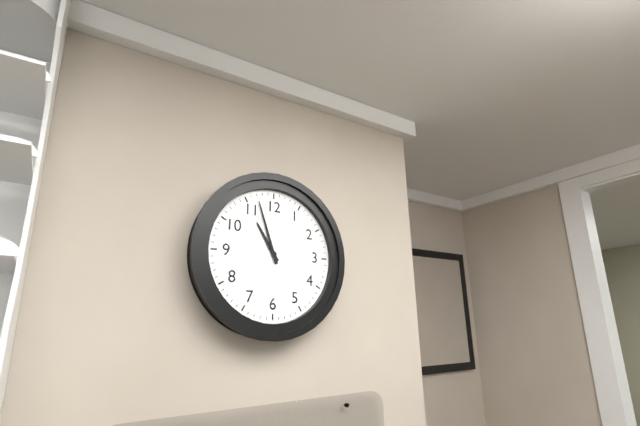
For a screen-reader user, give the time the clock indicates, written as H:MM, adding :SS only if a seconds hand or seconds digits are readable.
10:57
